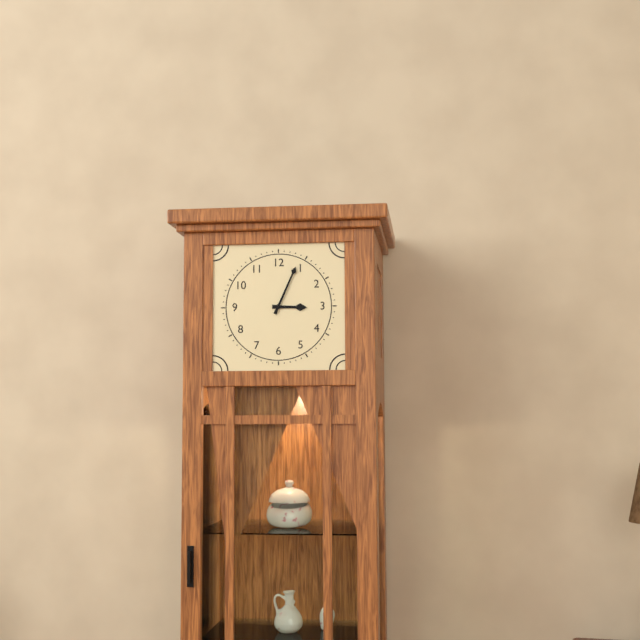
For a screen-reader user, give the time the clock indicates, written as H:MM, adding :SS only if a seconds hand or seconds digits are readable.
3:04
